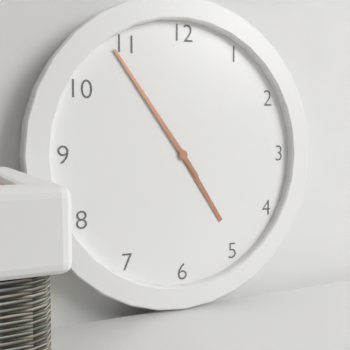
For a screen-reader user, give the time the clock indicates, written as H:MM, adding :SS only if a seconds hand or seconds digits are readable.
4:54
